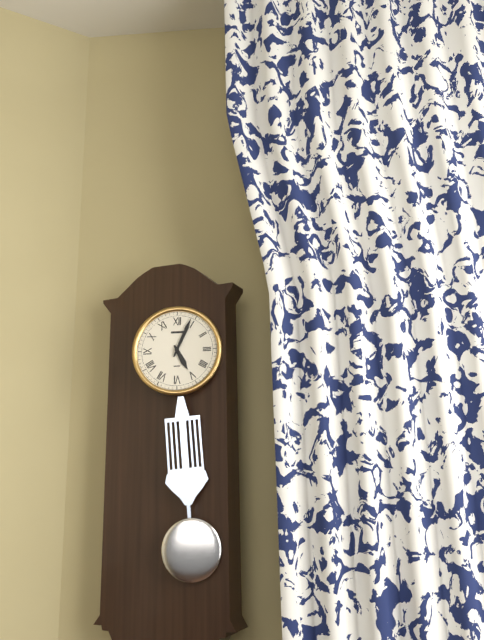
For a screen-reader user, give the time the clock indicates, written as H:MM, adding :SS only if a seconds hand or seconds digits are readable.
5:04
